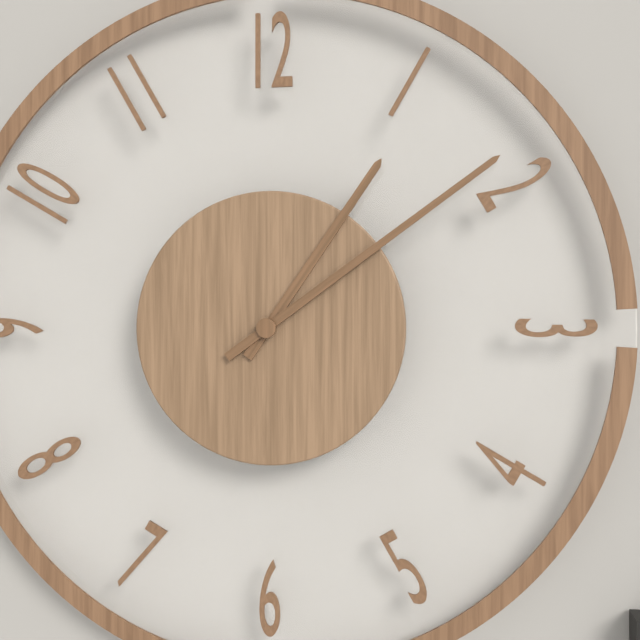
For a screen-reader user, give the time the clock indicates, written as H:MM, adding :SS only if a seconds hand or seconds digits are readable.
1:09
